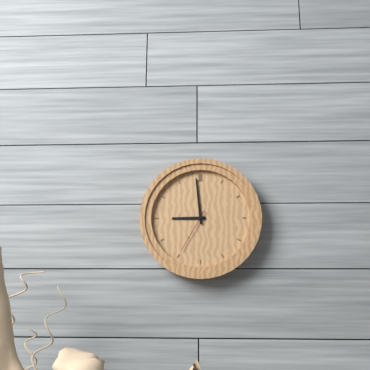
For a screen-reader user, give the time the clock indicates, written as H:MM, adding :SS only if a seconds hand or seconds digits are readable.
8:59
